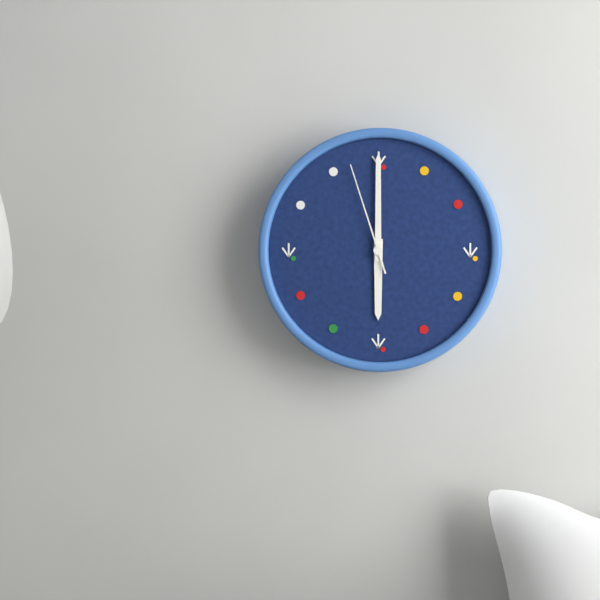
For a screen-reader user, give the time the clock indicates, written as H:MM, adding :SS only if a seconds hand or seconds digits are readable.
6:00:57
